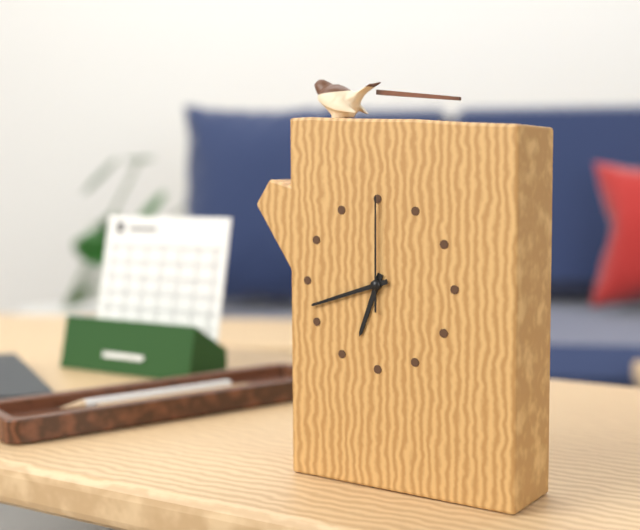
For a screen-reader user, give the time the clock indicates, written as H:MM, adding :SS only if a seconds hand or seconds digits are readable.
6:42:00
